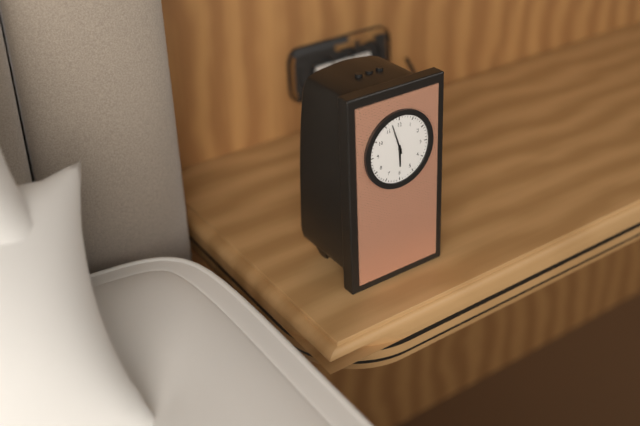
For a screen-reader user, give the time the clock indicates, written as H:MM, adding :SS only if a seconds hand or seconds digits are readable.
5:57
